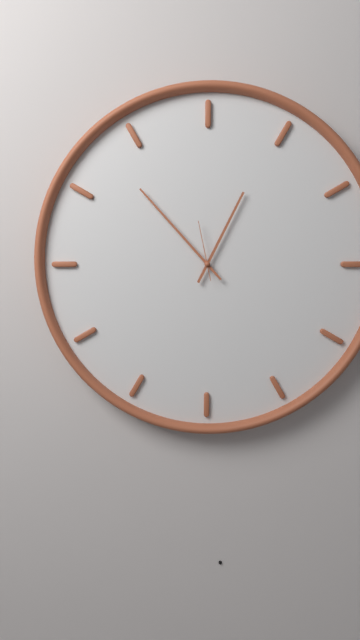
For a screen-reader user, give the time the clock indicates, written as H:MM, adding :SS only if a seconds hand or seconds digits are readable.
12:53:58
